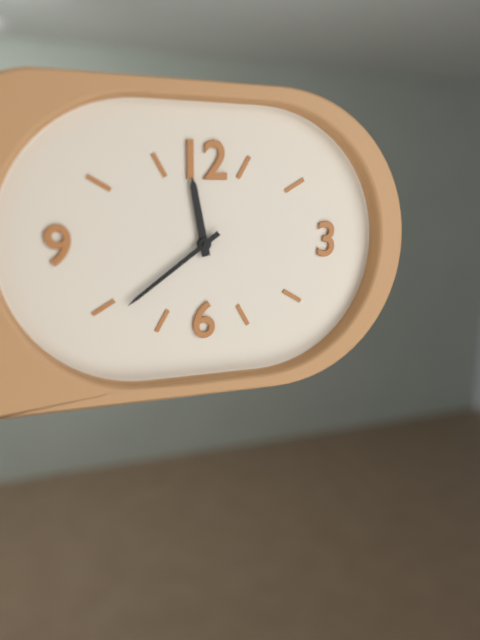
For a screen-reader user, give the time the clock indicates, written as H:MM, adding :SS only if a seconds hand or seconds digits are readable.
11:39
